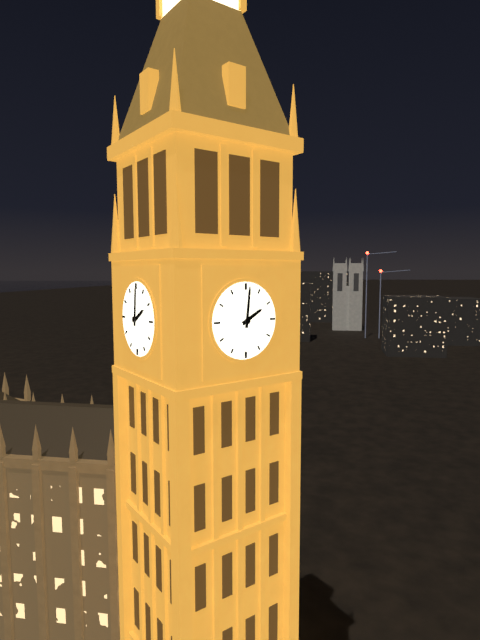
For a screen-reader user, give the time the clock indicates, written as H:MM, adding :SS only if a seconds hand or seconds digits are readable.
2:01
